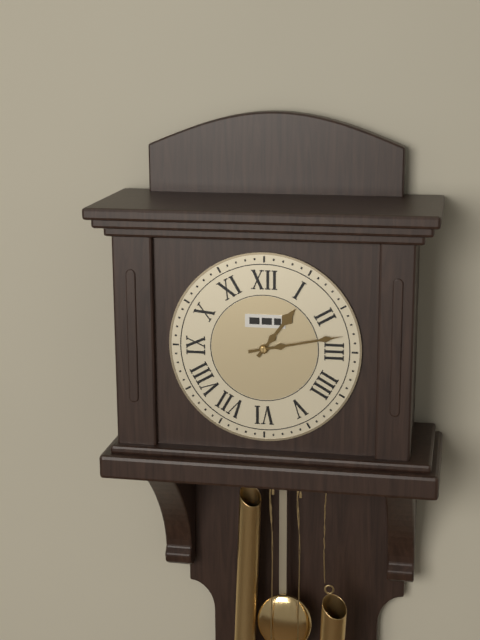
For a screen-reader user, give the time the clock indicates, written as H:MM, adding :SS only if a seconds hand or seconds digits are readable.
1:13
